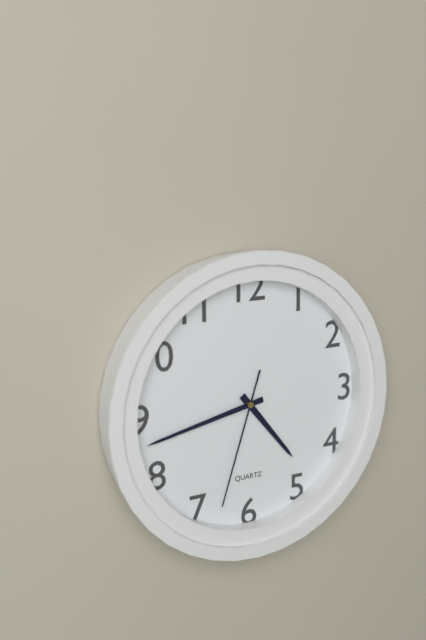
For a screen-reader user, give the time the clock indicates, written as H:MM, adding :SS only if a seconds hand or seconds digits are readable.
4:43:33
